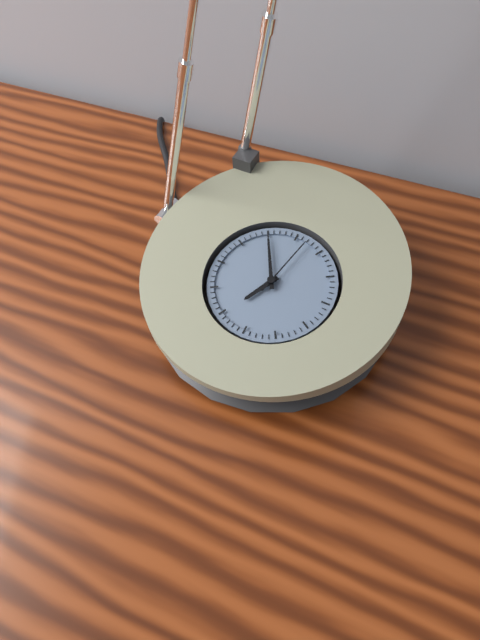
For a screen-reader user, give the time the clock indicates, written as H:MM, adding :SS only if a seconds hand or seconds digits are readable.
6:55:02
